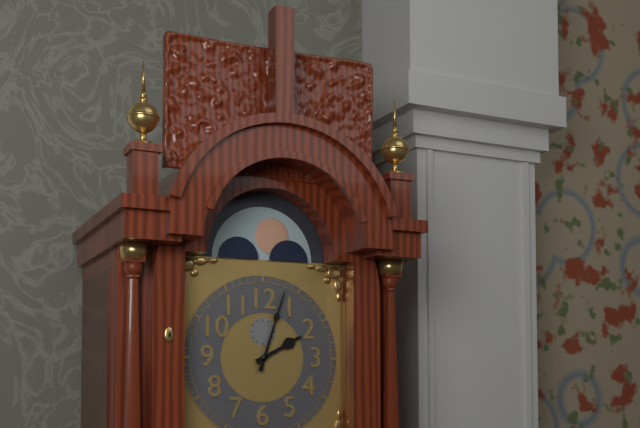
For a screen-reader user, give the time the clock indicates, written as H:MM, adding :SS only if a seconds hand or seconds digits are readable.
2:03
